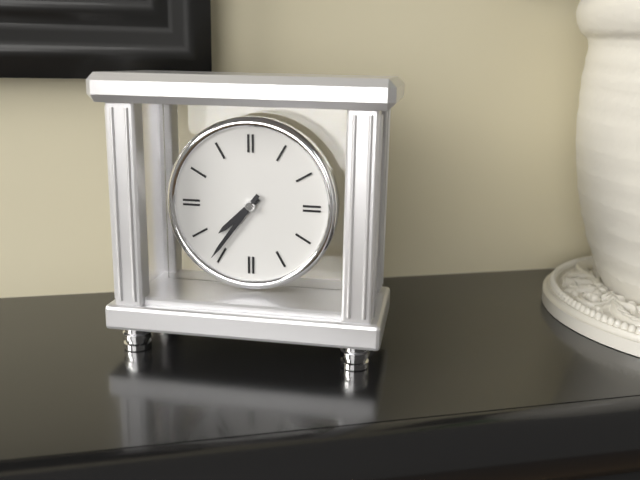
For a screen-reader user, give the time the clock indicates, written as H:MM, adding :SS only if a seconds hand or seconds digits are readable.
7:36
